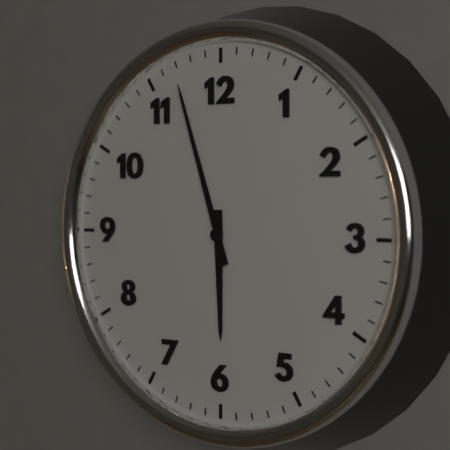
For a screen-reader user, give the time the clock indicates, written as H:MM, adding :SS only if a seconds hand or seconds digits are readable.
5:57
